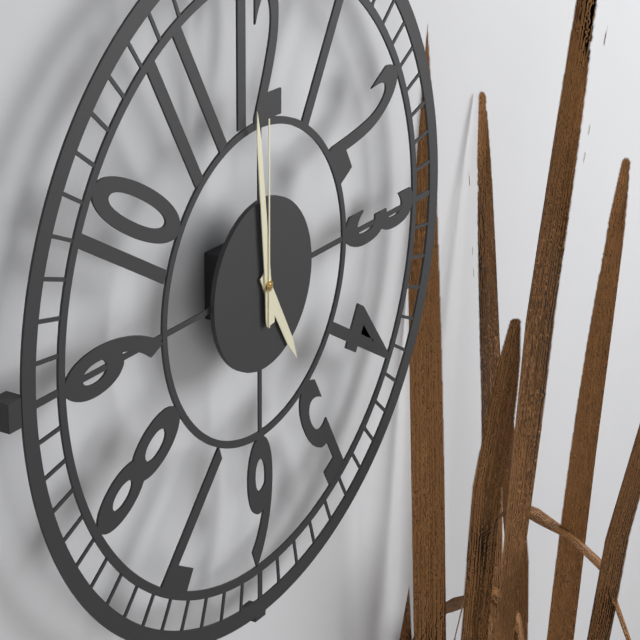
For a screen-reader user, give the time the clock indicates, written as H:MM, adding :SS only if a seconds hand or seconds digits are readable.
4:59:00
